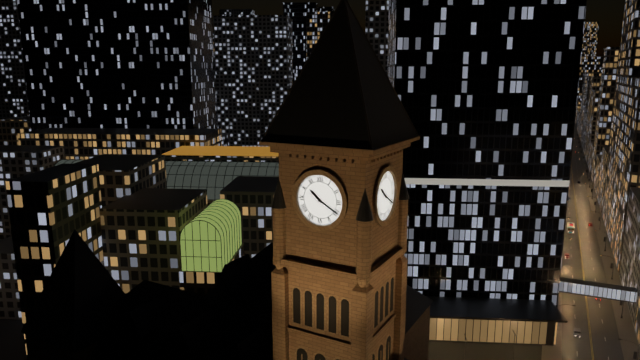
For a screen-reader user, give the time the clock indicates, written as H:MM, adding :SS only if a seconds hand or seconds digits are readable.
10:20
